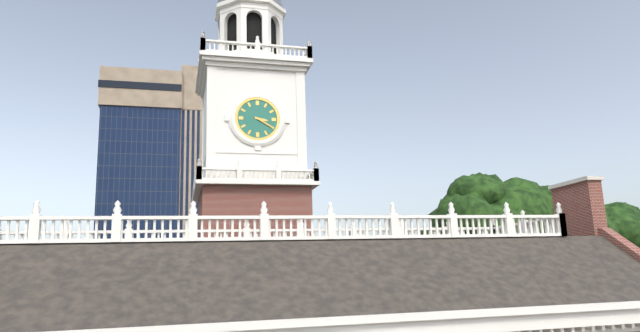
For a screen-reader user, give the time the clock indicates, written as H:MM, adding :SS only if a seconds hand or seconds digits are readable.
3:20
